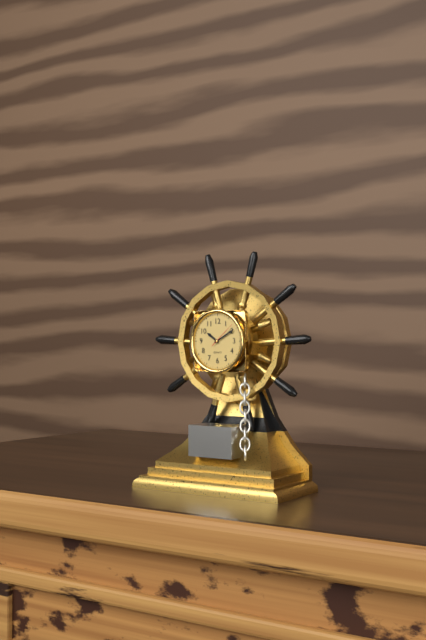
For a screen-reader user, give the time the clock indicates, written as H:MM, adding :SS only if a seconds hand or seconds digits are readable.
10:10
